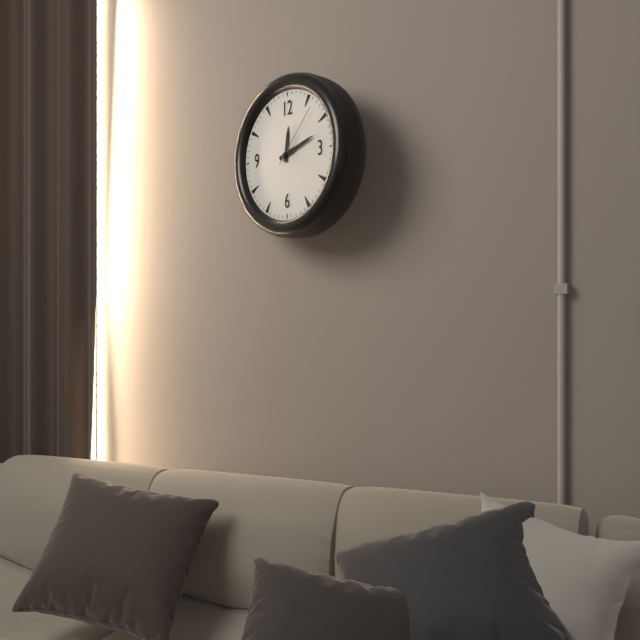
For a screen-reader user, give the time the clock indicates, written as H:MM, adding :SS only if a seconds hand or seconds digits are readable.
12:12:07
